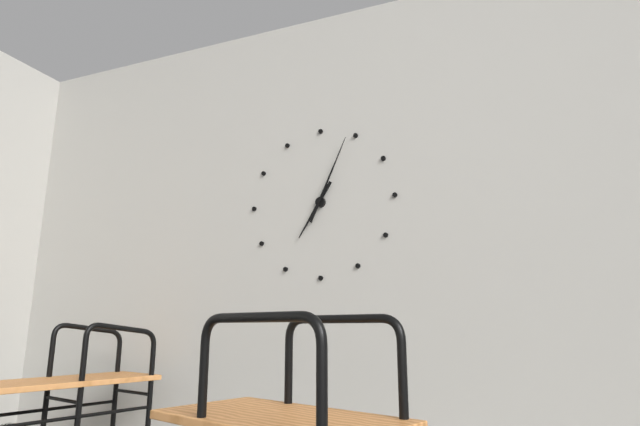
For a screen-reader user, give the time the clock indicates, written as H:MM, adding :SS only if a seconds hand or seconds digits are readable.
7:04
